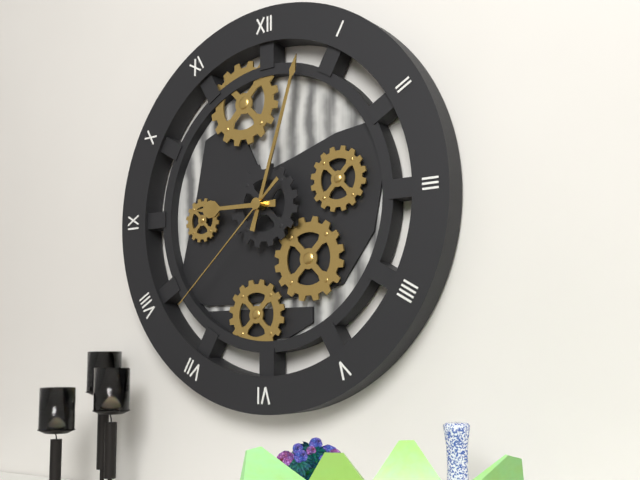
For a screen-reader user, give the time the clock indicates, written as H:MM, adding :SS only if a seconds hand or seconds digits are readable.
9:03:38
